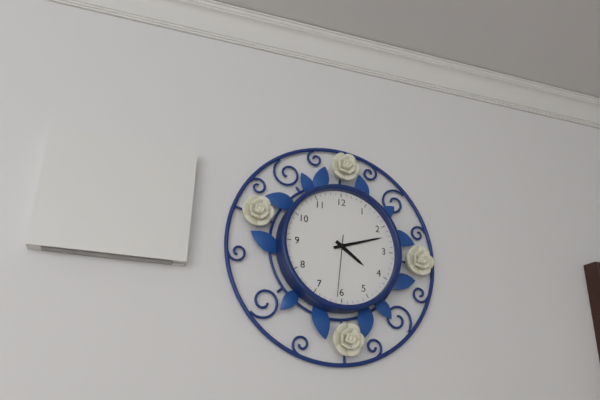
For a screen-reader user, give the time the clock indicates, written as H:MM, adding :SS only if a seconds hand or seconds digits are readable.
4:12:31
